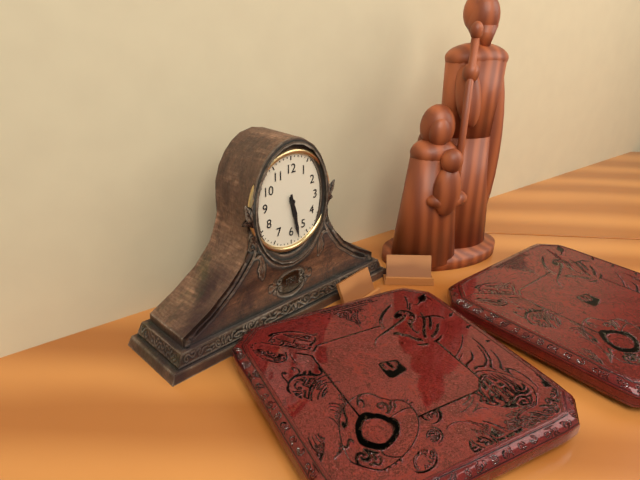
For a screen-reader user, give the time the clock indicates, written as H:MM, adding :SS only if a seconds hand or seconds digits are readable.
5:28
